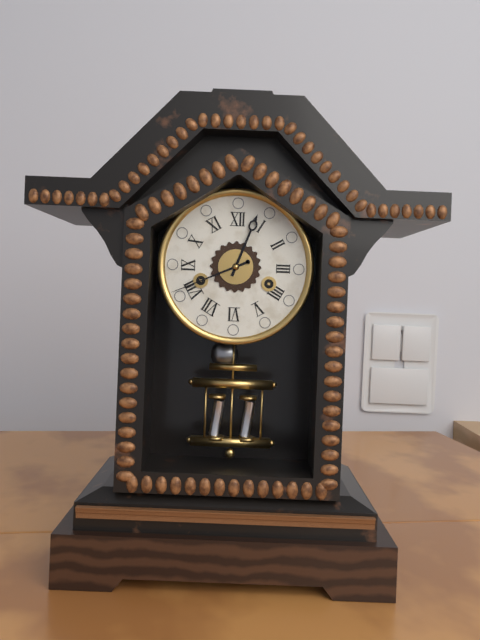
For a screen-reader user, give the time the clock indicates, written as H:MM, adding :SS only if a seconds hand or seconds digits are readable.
12:41
